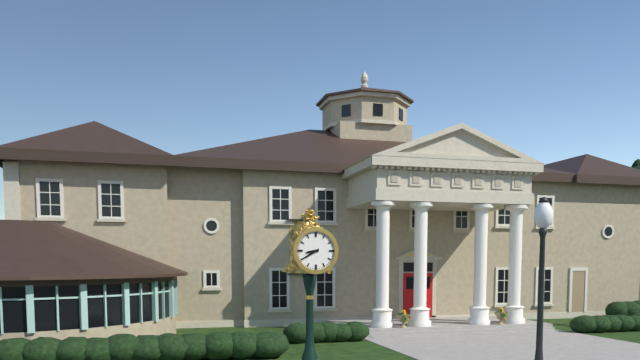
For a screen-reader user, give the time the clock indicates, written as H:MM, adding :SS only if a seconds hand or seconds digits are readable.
8:40
